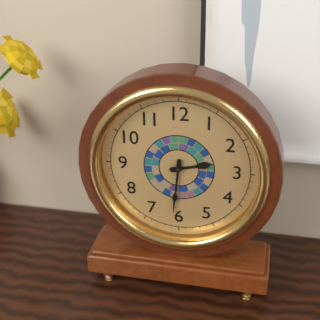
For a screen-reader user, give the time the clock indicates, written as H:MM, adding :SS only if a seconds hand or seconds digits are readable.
2:31
